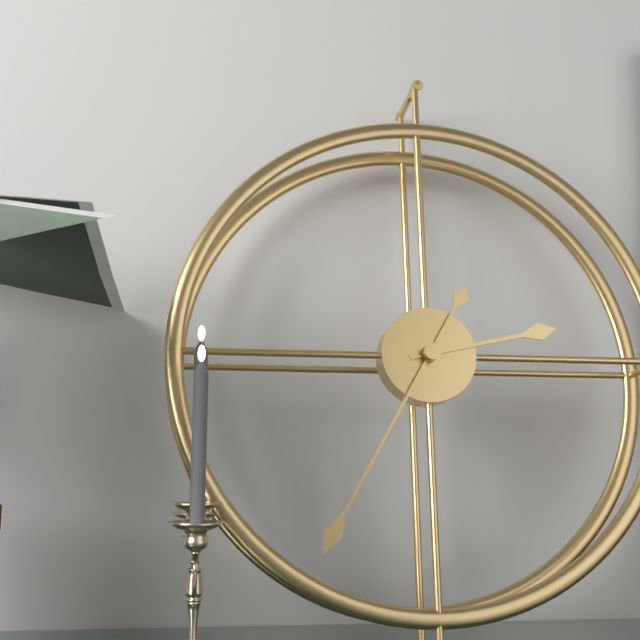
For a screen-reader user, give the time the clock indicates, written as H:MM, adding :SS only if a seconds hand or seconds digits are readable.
2:35
